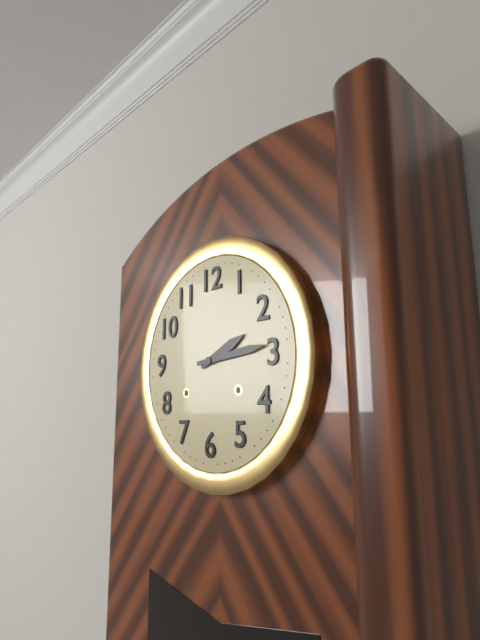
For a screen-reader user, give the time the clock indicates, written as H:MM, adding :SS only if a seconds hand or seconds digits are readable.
2:14
